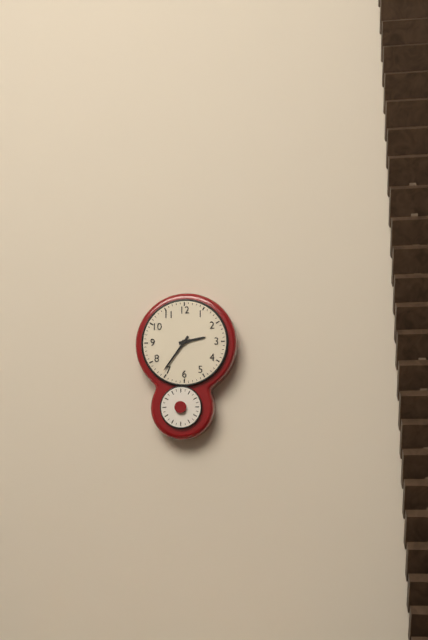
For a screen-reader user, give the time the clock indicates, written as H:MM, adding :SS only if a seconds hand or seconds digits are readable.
2:36
